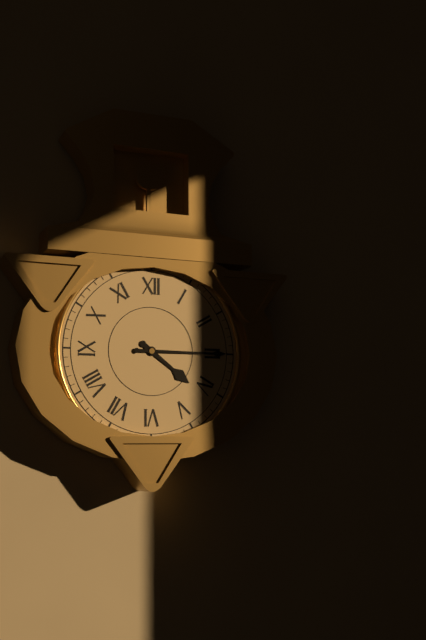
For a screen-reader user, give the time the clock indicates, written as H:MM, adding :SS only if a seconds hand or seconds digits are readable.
4:15
